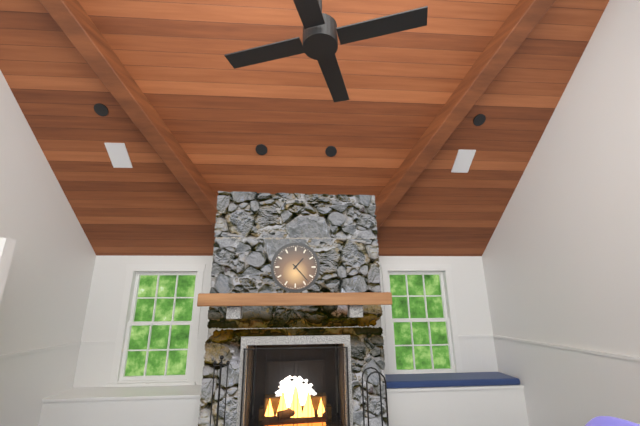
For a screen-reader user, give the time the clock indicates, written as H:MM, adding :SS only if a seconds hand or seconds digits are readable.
1:23
